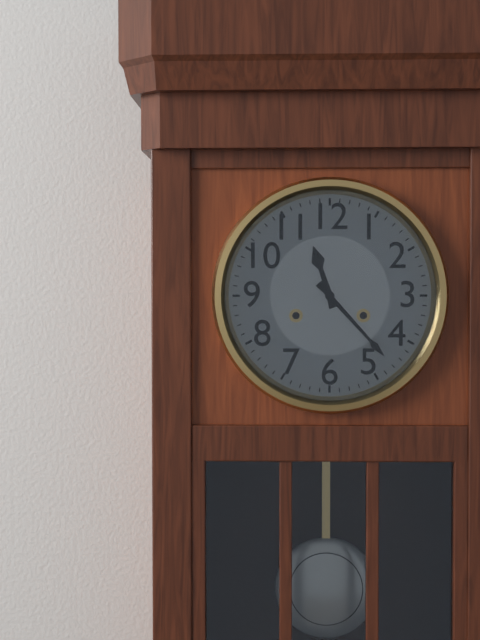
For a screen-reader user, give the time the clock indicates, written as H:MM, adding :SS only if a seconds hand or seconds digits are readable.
11:23
